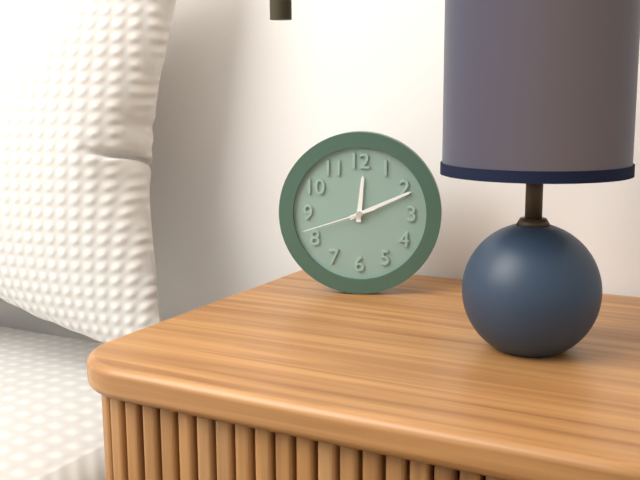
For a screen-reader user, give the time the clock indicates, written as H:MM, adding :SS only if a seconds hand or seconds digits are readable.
12:11:42
